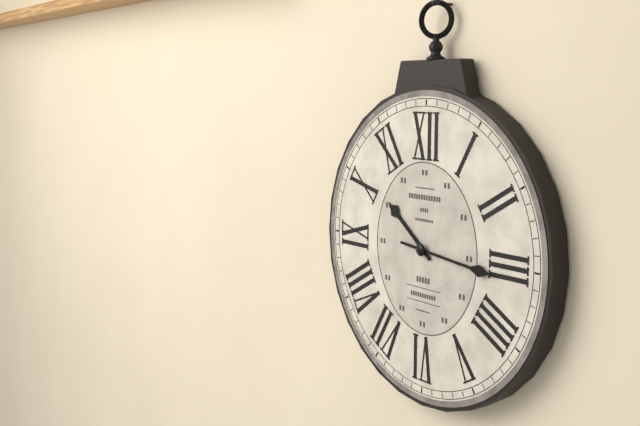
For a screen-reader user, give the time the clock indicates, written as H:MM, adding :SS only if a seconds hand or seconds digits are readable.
10:16
